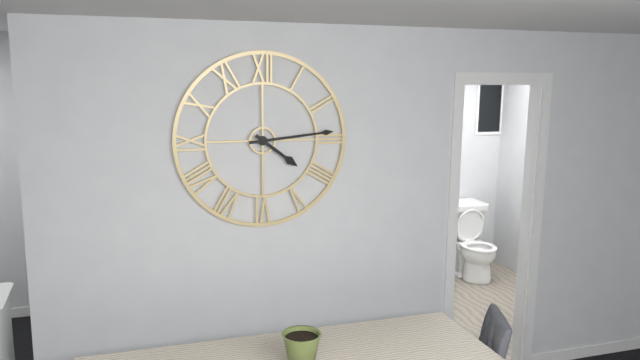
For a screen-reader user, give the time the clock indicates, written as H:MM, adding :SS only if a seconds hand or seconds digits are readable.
4:14
